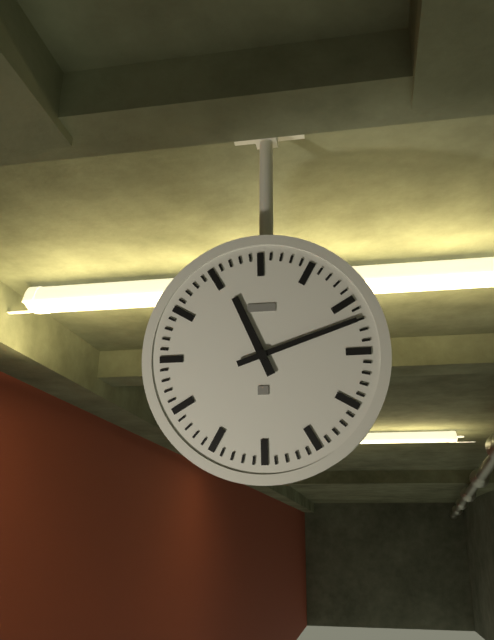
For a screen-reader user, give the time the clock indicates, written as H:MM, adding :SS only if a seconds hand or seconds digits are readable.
11:12
